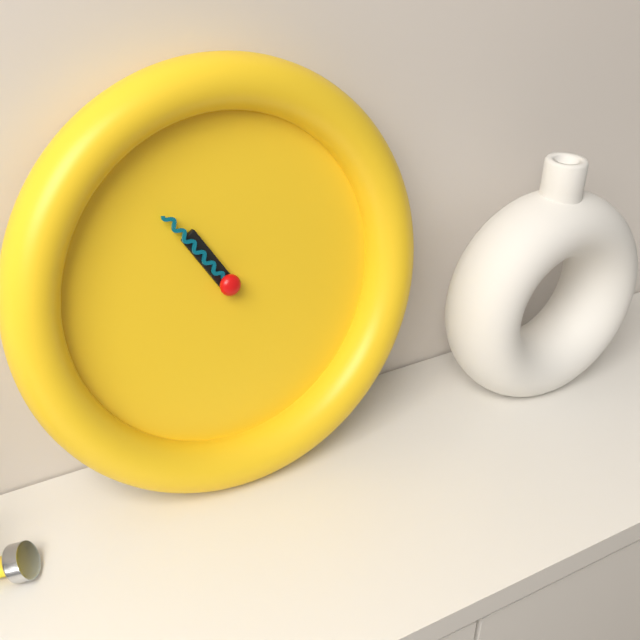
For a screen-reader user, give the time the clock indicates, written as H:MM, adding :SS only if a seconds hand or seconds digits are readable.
10:54
